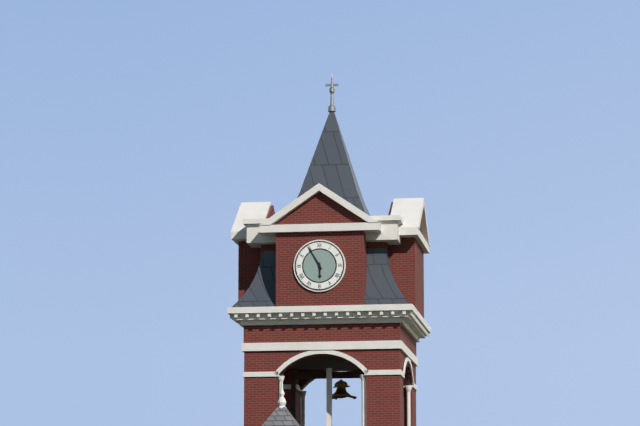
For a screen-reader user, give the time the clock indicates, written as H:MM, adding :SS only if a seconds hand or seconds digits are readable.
5:55
